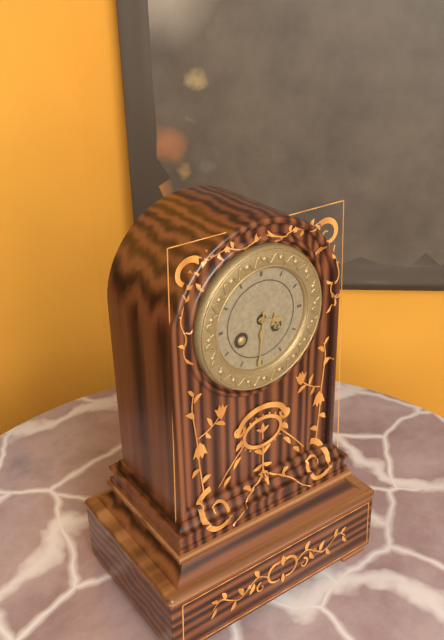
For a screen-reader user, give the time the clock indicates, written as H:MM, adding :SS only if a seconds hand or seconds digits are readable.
3:31
